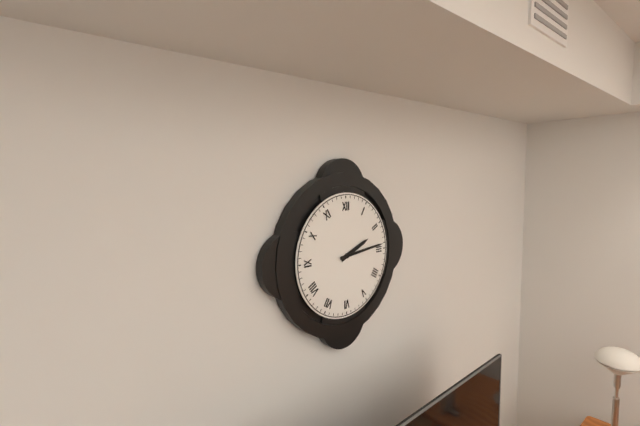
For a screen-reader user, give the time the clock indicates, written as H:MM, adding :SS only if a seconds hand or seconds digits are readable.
2:14
